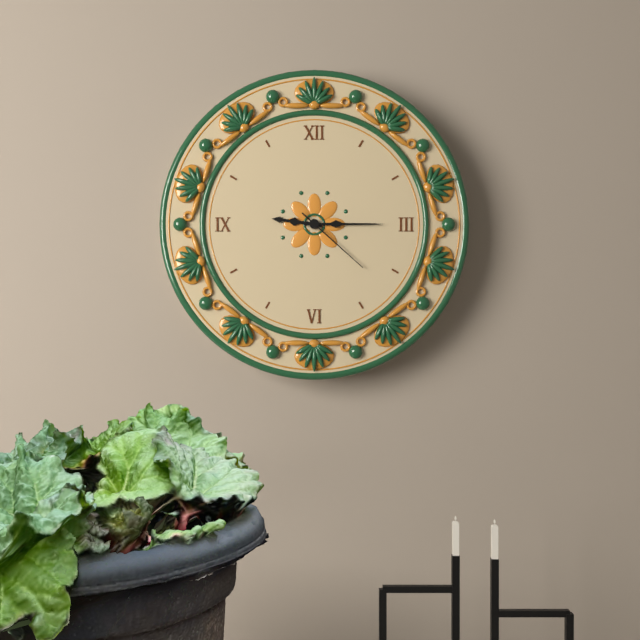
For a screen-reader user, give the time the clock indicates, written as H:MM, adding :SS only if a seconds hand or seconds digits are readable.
9:15:22
